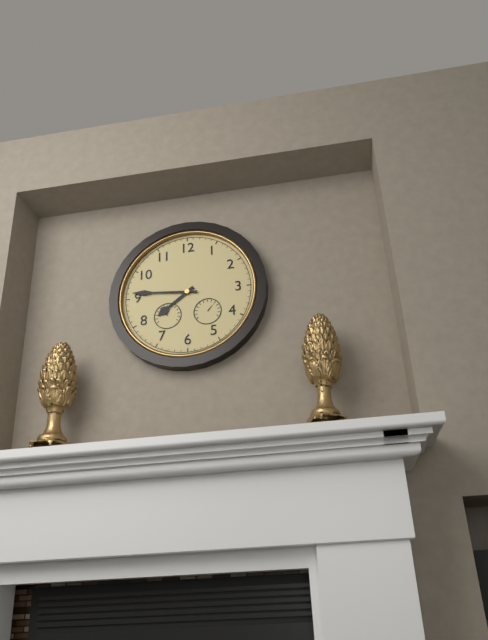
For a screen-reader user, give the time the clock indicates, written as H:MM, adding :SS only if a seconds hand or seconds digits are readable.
7:46
